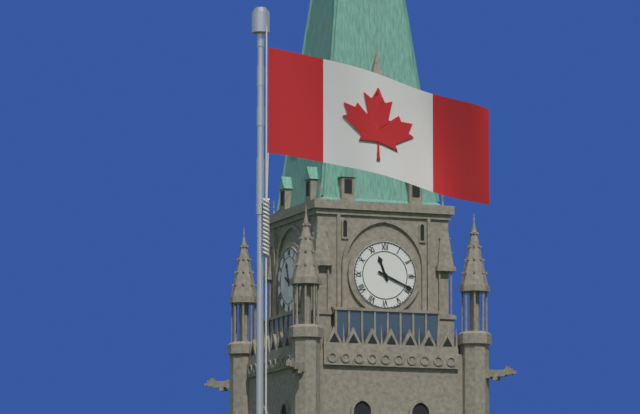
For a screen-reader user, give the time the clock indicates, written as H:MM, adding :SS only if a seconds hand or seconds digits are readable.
11:19
